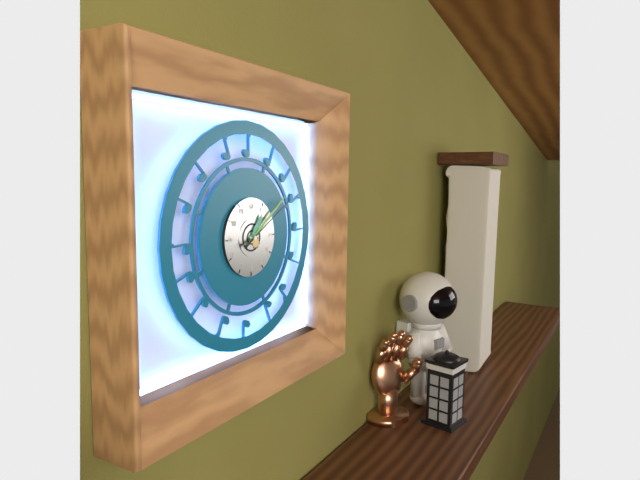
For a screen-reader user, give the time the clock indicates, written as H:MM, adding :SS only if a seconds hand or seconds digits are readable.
1:09:10
